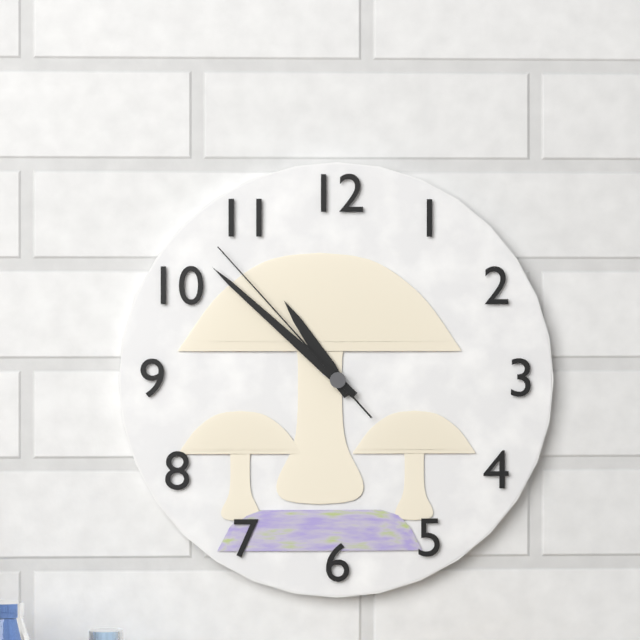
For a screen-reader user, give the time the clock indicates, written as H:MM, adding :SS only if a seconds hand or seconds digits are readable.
10:52:53
